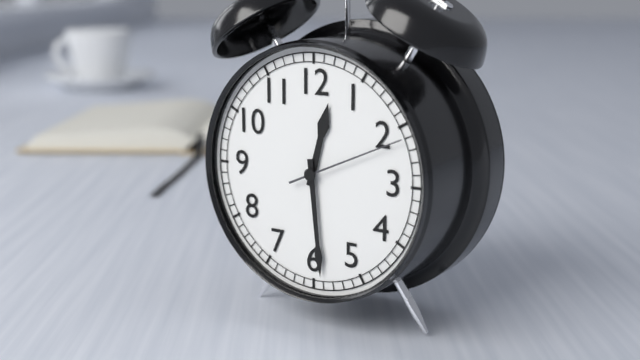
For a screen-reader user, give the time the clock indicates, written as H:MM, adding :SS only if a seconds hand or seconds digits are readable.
12:29:11
